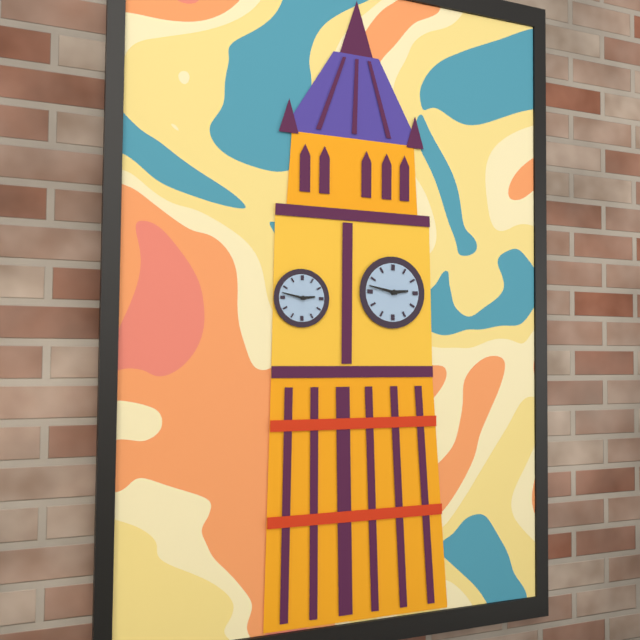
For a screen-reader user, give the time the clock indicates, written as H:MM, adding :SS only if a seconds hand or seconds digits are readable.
2:47
